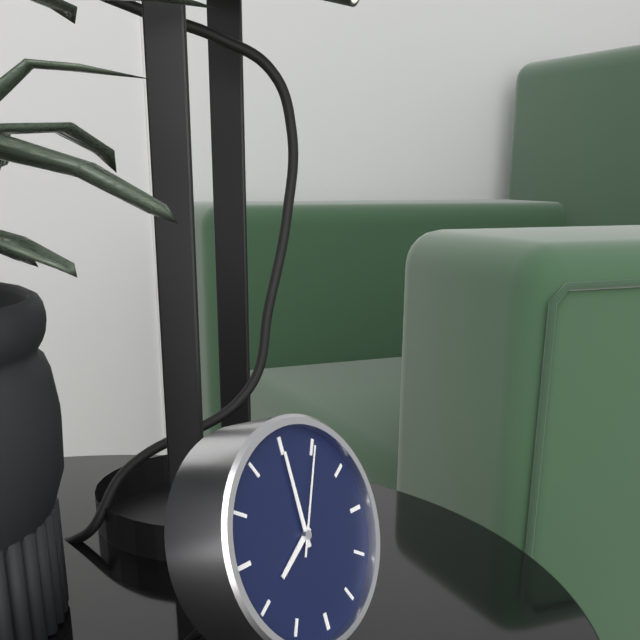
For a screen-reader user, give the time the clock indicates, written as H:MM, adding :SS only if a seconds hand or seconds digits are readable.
8:00:05
